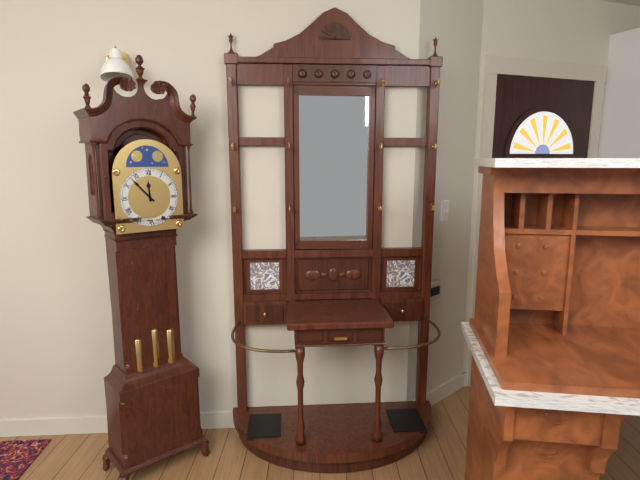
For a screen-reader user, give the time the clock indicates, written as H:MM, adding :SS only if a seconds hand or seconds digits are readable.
11:53
